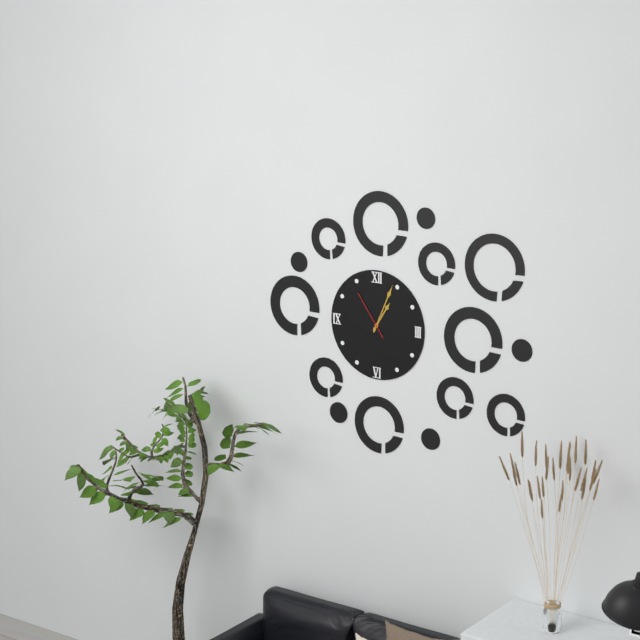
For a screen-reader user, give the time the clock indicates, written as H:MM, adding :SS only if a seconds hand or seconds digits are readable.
1:04
